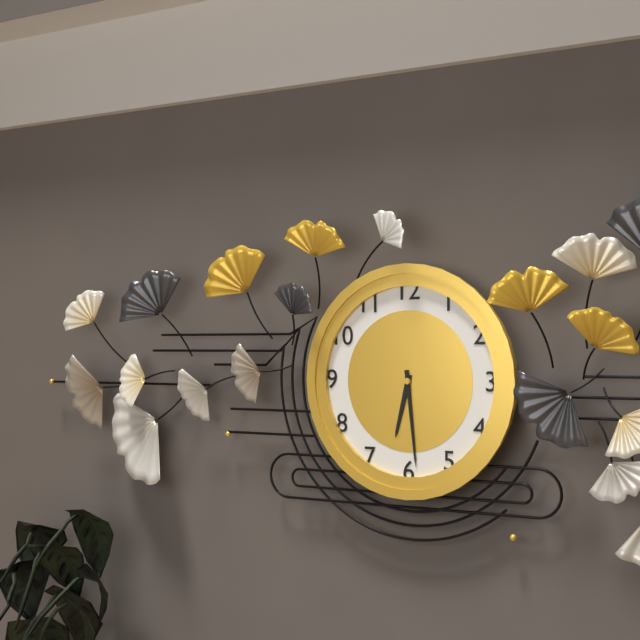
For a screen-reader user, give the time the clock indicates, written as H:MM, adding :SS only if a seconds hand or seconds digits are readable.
6:29
